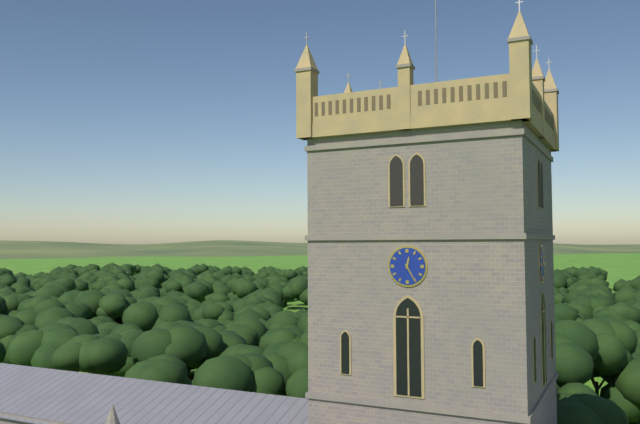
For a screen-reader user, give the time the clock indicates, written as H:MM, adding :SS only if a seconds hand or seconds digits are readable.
12:25
